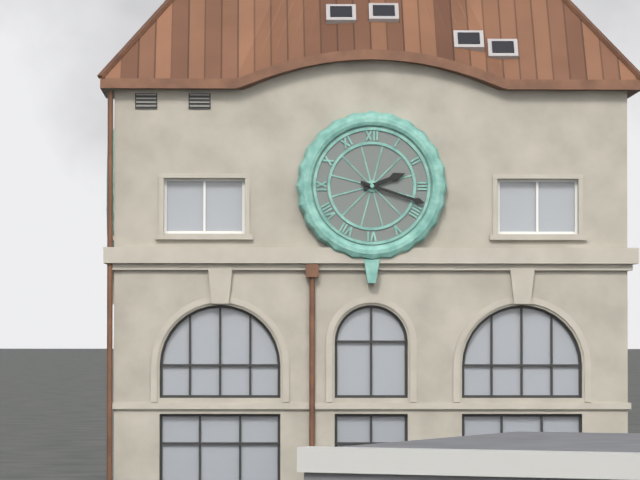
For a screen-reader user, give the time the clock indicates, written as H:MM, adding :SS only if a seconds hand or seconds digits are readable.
2:18
